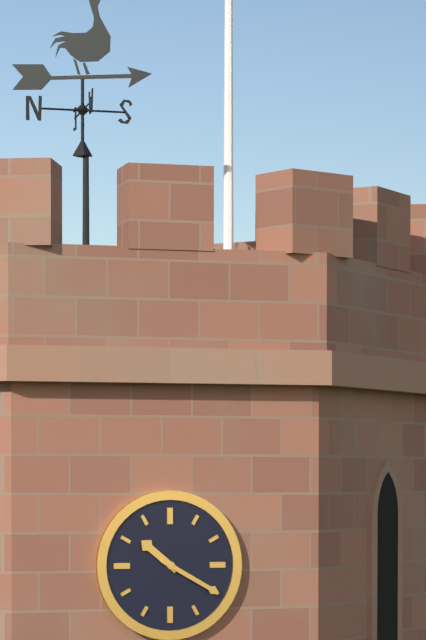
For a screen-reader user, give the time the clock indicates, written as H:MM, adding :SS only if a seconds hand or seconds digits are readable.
10:20
